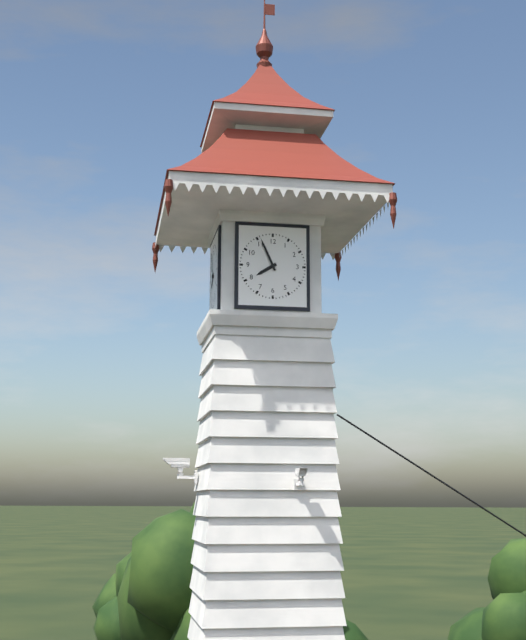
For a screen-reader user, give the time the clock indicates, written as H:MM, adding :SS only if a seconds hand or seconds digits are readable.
7:56
